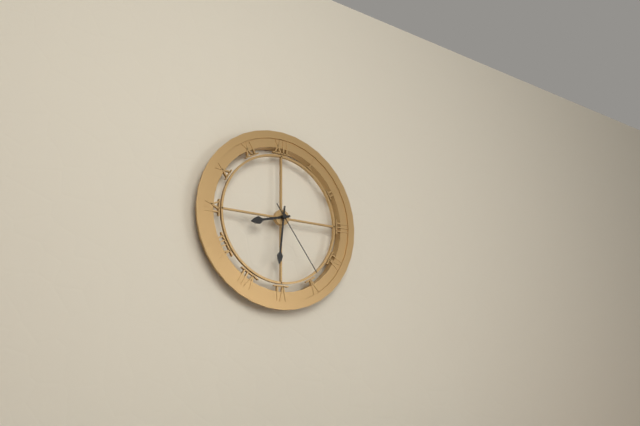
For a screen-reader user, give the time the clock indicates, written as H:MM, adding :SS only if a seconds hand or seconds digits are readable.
8:31:24
